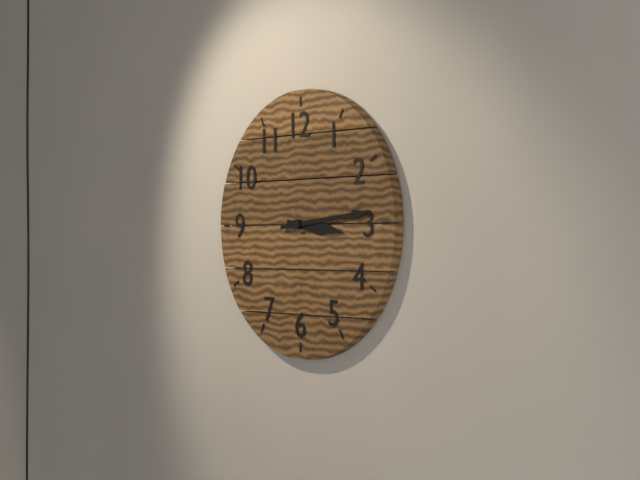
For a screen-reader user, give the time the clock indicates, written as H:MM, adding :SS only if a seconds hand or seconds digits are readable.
3:14
